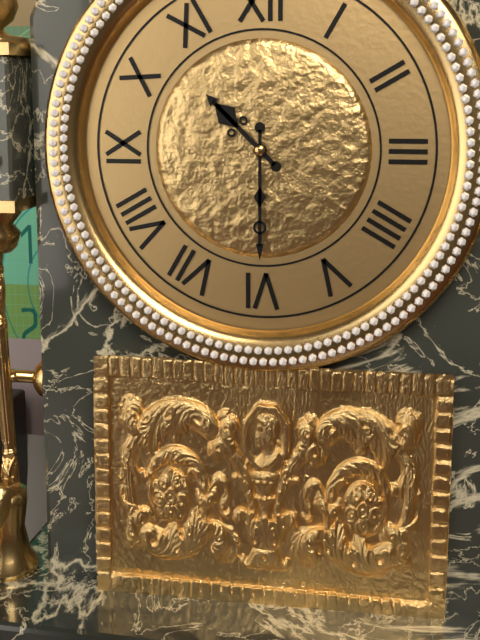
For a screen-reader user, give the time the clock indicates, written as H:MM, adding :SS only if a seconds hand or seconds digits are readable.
10:30
